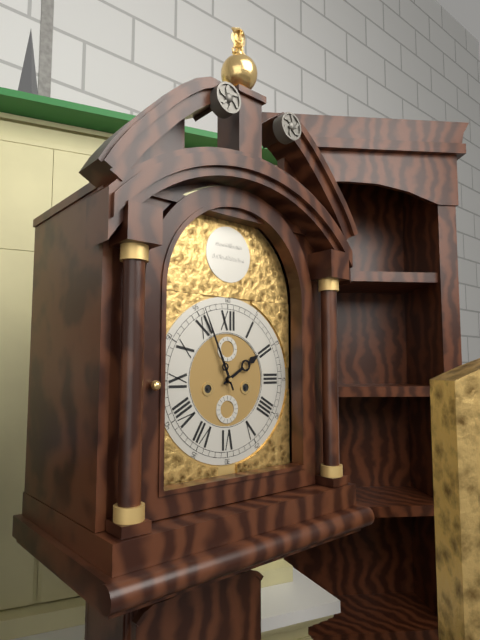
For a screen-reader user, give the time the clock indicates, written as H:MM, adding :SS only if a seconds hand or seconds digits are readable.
1:56
